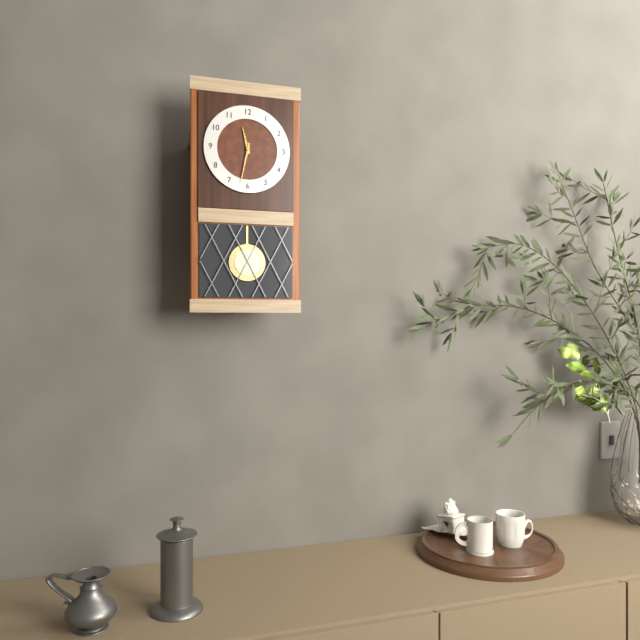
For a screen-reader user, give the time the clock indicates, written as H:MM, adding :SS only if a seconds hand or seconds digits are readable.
11:32
